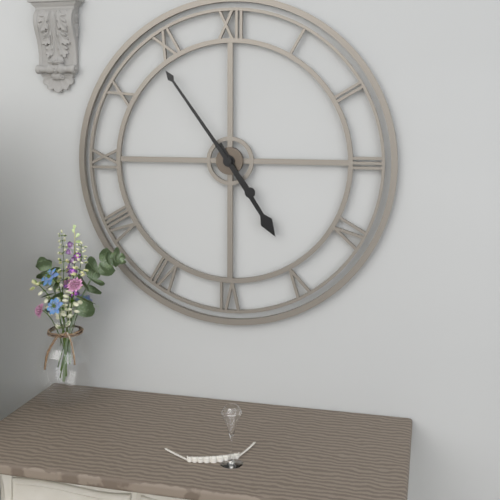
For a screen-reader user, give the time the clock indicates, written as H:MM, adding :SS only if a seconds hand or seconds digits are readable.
4:54
